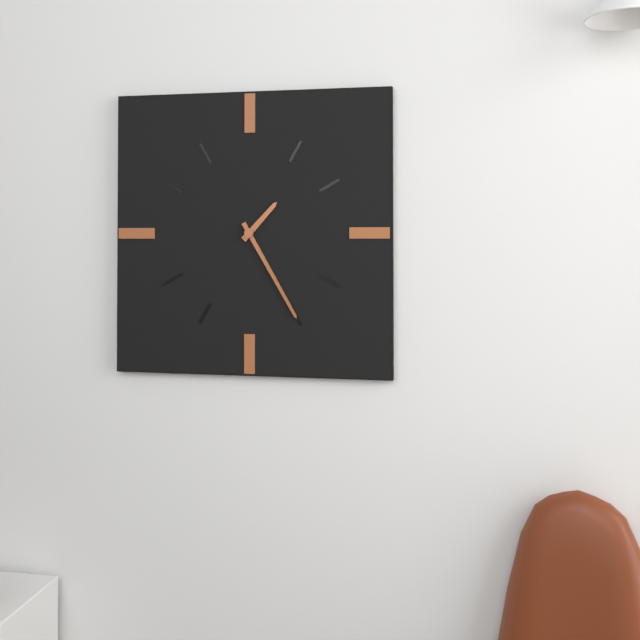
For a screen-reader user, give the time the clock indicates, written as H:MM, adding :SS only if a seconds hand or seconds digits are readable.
1:25
